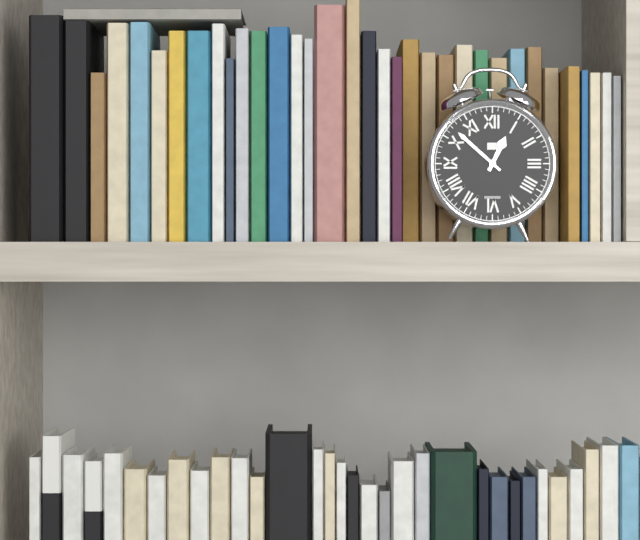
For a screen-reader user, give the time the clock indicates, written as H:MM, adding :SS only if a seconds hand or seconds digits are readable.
12:52
